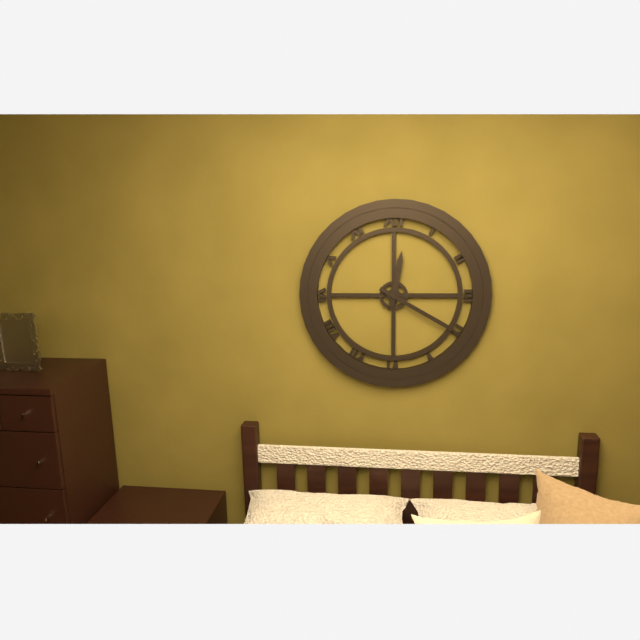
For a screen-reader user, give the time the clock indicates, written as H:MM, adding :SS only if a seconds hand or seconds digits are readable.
12:20
